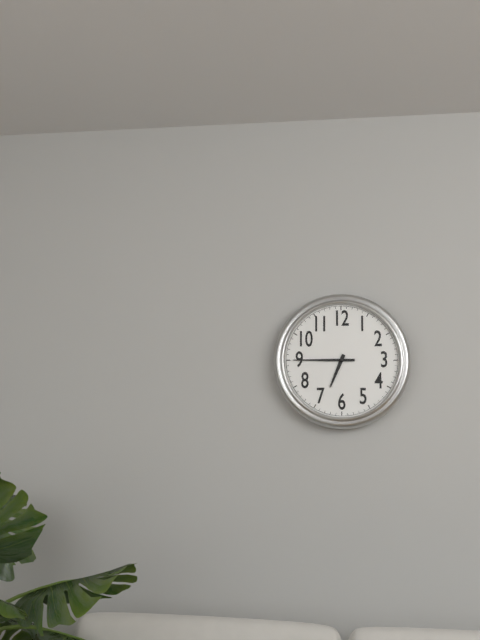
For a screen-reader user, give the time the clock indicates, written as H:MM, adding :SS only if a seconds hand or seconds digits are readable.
6:45
